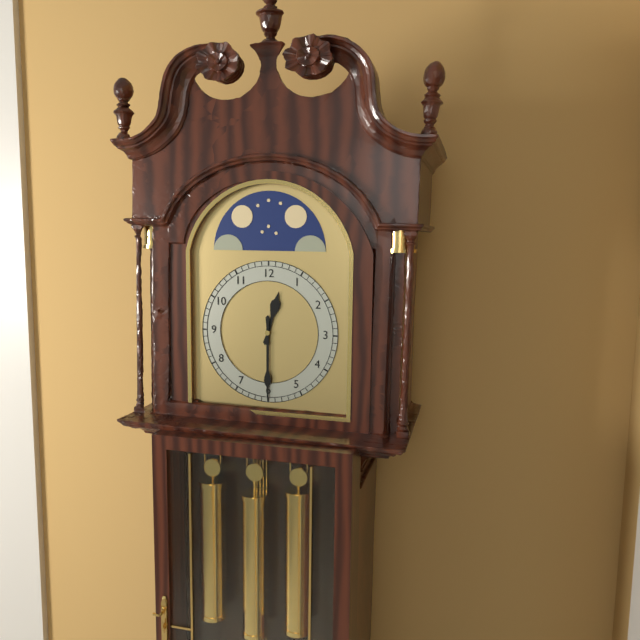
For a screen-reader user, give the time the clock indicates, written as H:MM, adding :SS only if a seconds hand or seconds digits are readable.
12:30
